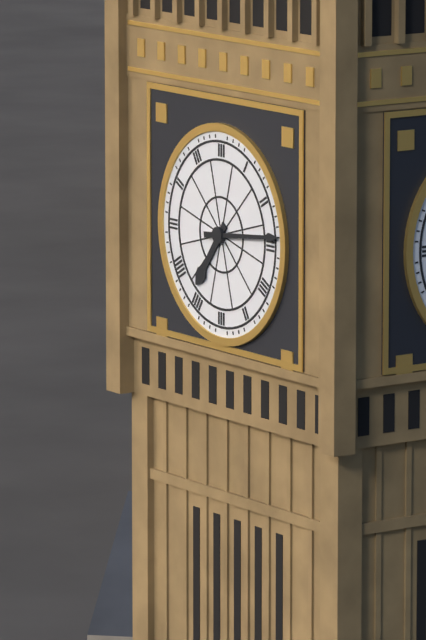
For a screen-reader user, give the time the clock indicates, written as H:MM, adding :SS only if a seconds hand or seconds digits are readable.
7:14
